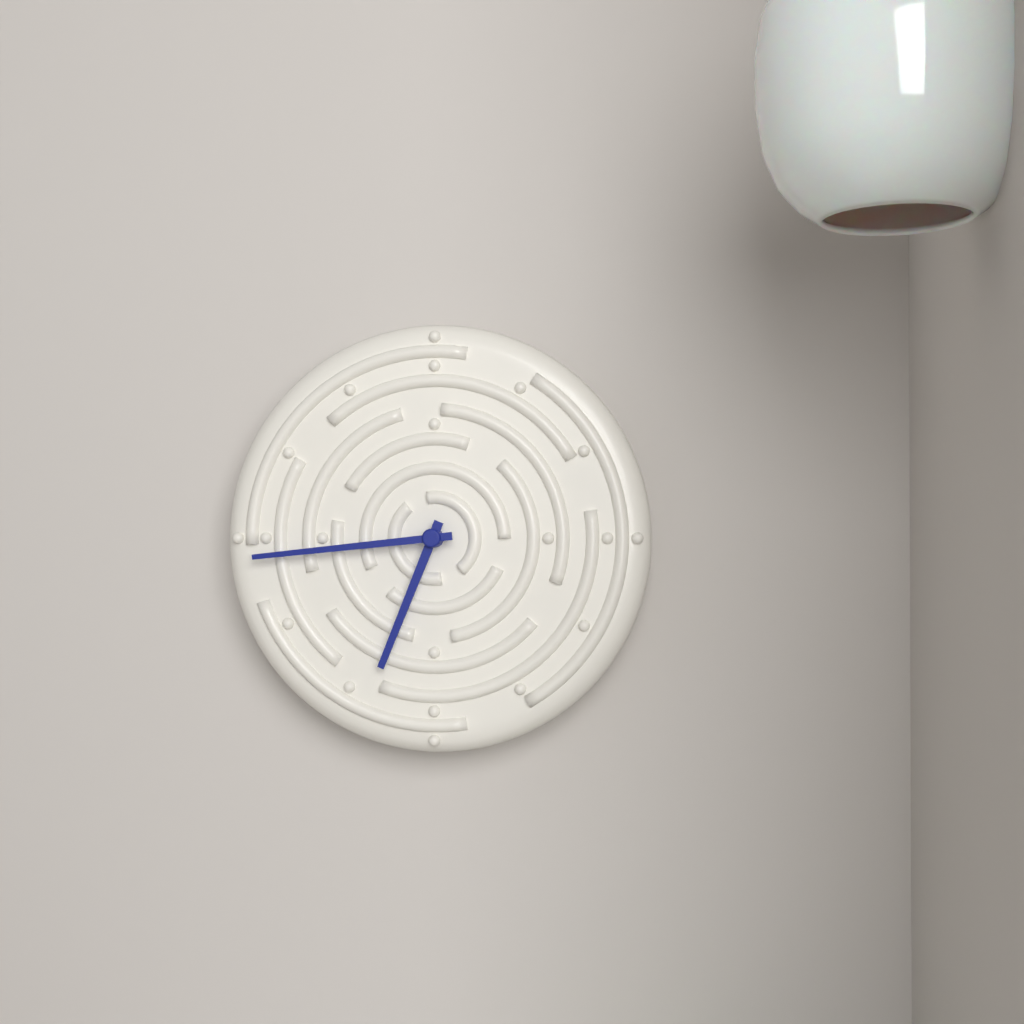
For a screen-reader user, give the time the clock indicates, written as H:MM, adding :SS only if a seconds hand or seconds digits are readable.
6:44
